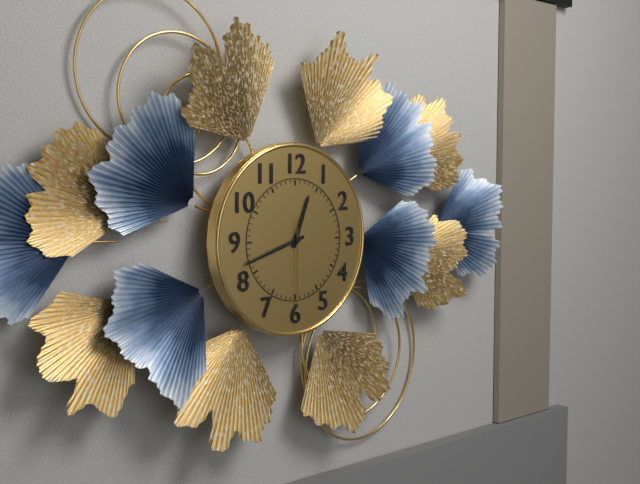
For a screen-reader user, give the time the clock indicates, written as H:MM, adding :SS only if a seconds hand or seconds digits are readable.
12:42:30
